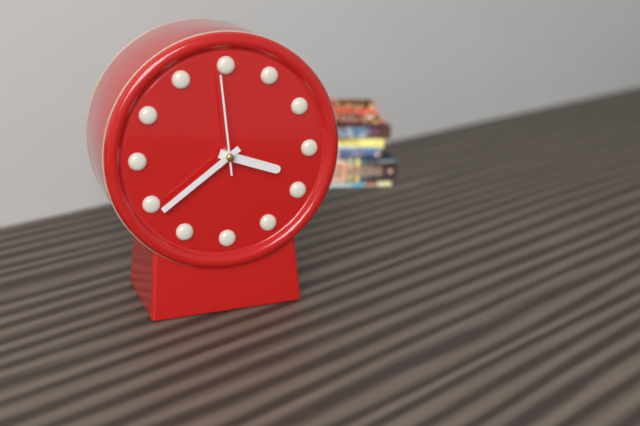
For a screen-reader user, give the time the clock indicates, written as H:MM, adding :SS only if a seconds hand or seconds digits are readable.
3:39:59
